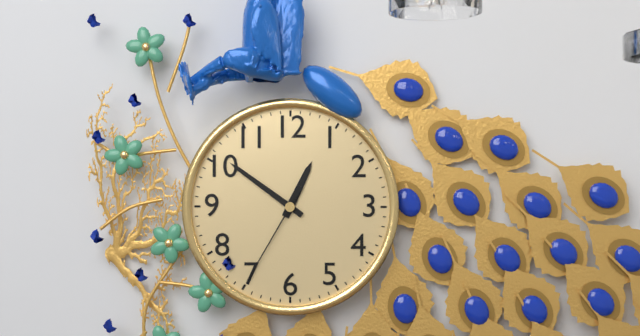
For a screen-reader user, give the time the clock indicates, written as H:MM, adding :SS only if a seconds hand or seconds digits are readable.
12:51:35
